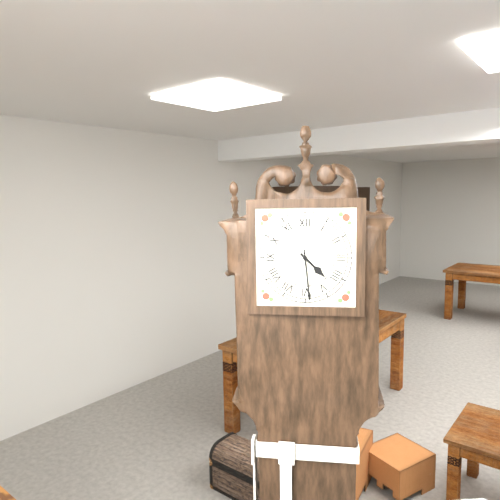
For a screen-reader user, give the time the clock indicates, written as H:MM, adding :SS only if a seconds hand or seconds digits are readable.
4:29
